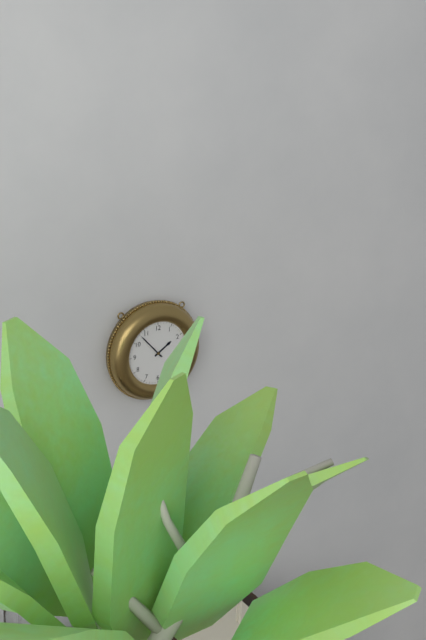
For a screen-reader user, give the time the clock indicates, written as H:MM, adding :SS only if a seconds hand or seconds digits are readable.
1:53
